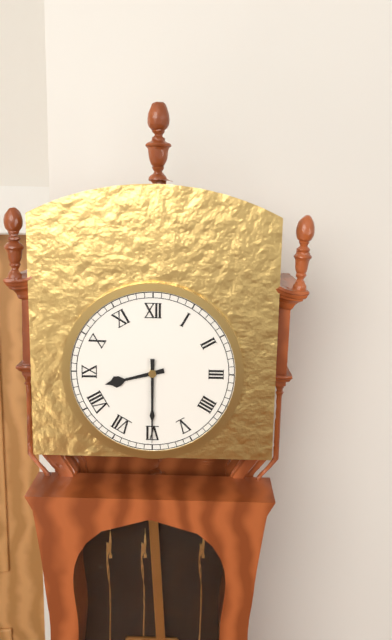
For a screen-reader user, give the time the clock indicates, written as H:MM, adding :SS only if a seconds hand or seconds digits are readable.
8:30
